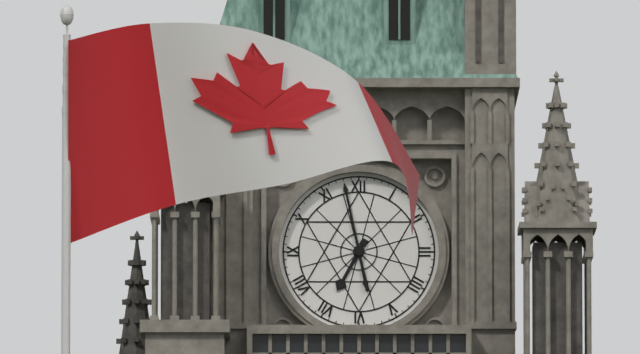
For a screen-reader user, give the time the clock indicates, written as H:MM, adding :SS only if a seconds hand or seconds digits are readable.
6:58
